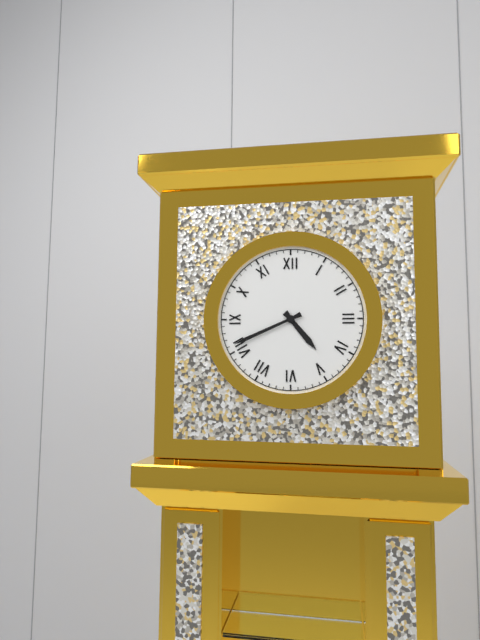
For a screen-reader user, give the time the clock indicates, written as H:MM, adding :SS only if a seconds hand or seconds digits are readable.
4:41
